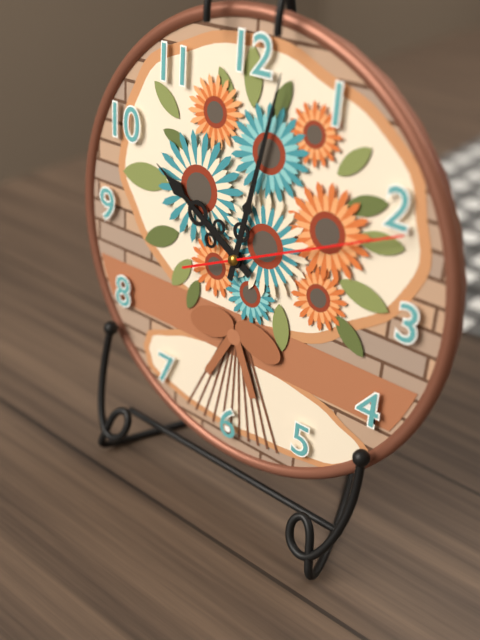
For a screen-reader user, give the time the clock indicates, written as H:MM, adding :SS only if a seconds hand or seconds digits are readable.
10:02:11
